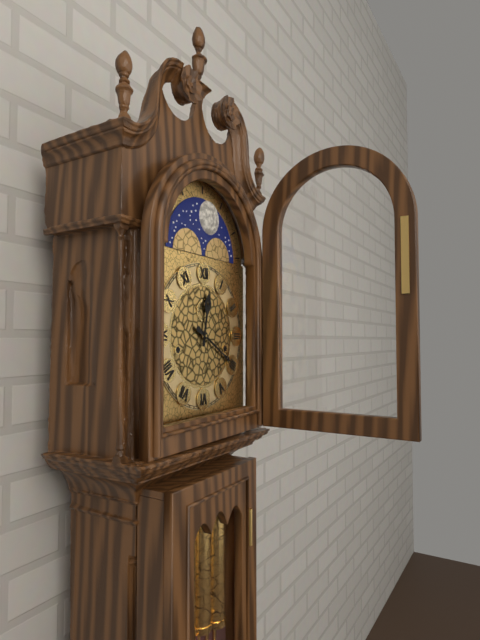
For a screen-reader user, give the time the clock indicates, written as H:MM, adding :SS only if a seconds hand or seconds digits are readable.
12:20
